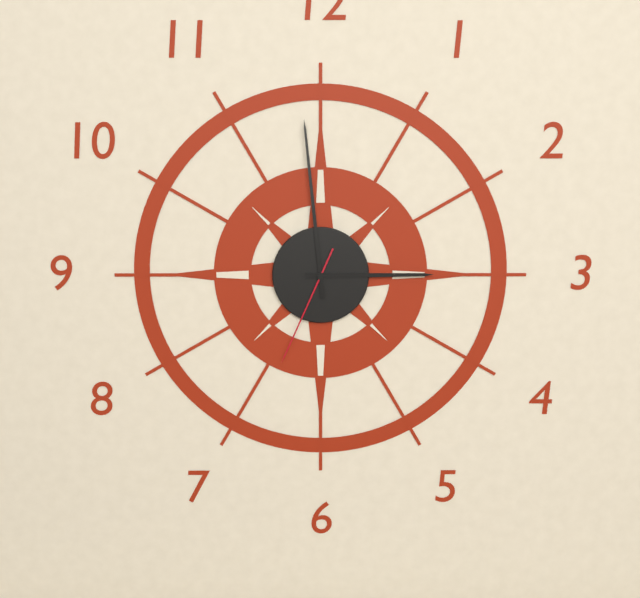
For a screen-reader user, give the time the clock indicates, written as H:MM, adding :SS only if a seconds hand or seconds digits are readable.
2:59:34
